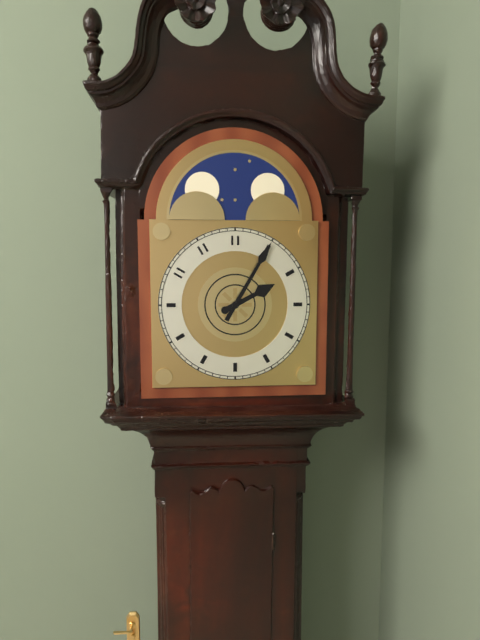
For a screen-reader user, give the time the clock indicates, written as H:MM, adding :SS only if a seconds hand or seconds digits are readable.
2:05
